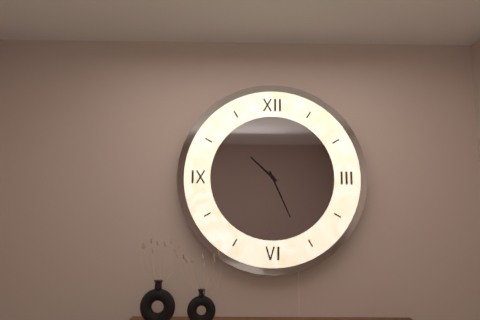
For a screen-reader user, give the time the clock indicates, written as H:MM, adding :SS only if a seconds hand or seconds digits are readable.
10:26
